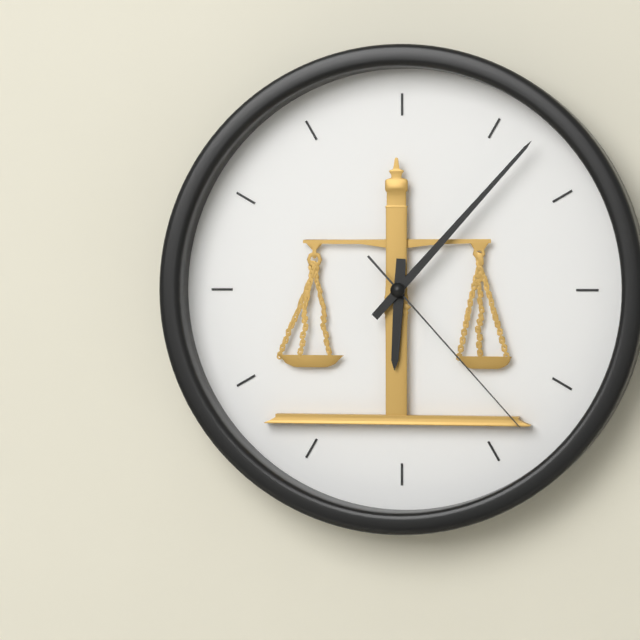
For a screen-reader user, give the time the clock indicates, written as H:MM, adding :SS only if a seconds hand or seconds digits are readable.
6:07:23
